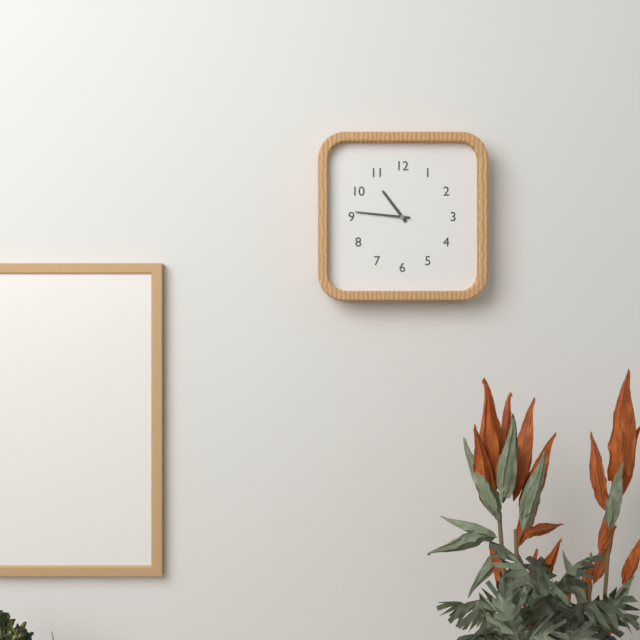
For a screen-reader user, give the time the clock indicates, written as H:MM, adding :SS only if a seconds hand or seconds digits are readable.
10:46
